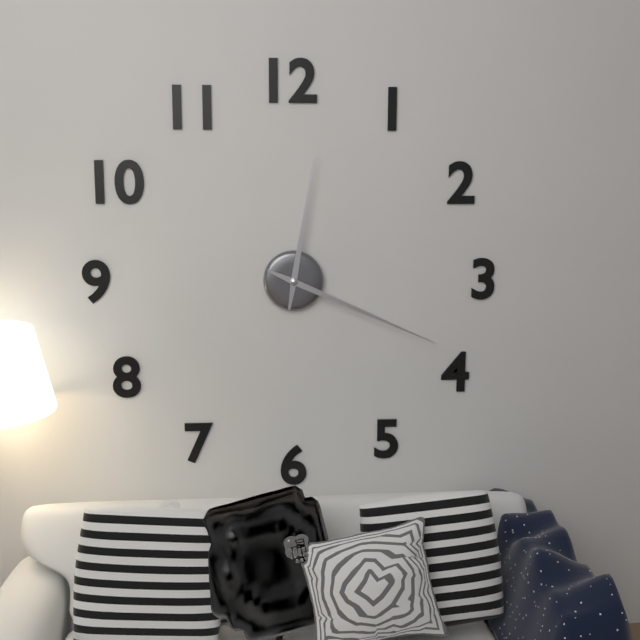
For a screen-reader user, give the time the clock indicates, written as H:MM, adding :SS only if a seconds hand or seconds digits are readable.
12:19
